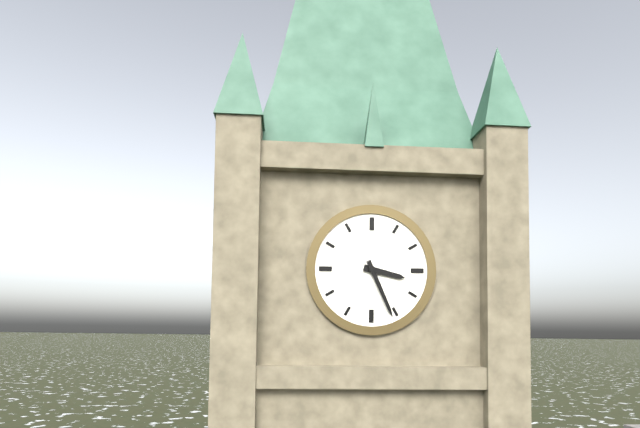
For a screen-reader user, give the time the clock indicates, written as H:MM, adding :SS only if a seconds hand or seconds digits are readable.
3:26
